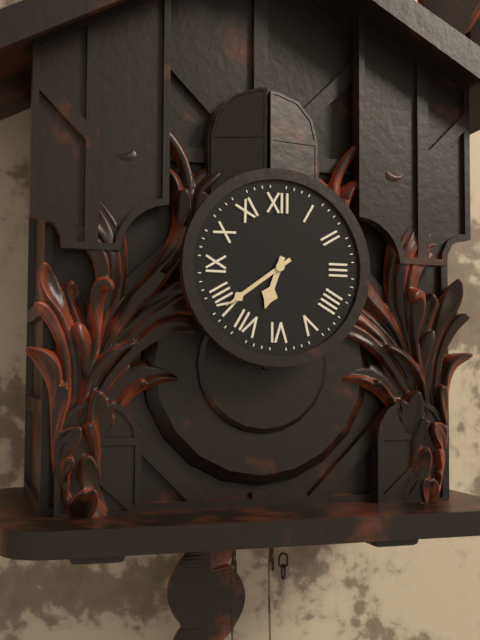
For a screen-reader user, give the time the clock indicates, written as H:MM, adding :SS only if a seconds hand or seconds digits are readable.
6:39
